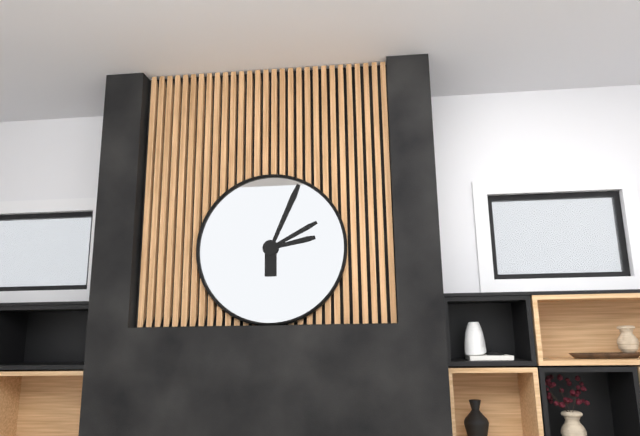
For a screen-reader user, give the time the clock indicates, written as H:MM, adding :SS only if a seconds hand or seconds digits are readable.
2:04:13
